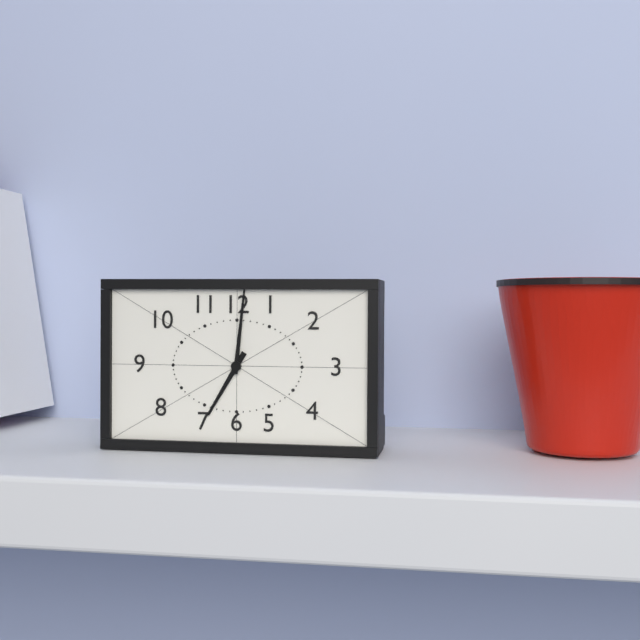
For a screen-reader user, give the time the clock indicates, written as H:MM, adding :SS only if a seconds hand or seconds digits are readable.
7:01
